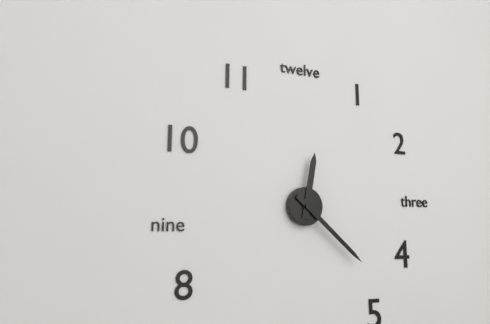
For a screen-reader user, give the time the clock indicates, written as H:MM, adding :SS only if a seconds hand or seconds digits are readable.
12:22
